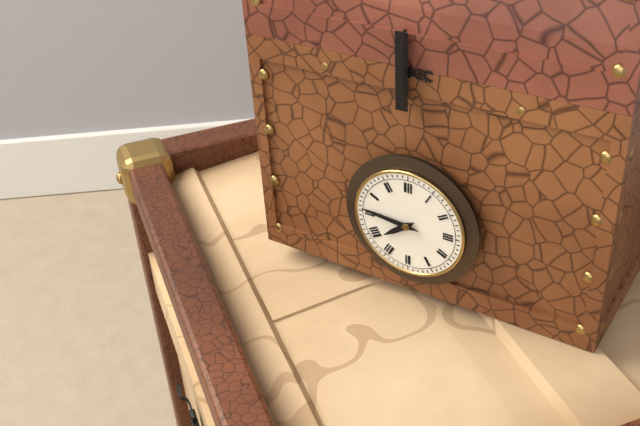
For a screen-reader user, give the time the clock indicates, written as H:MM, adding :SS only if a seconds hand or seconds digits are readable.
7:46
